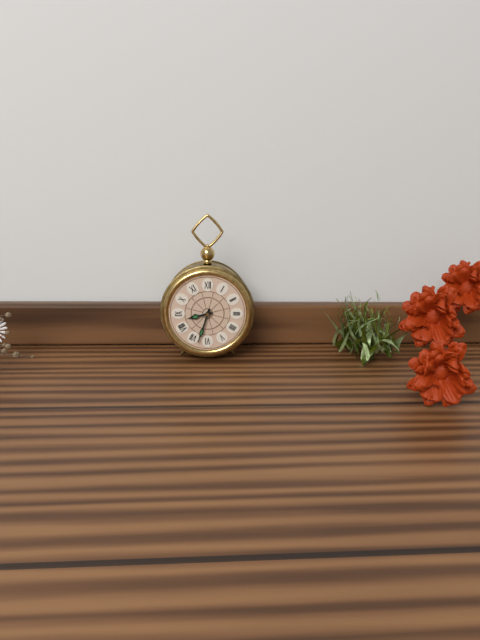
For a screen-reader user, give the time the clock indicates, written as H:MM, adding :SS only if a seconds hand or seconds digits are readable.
8:33
